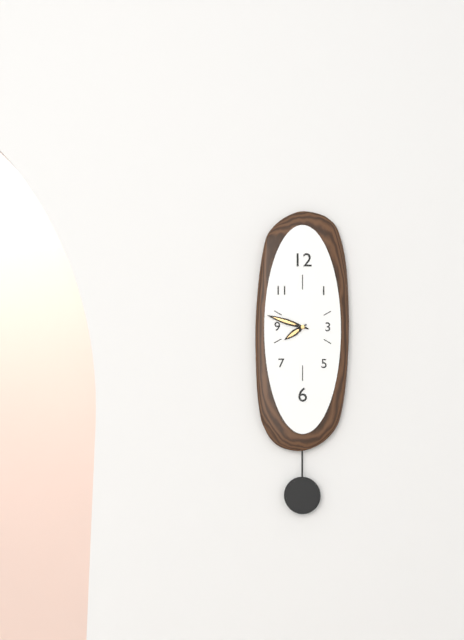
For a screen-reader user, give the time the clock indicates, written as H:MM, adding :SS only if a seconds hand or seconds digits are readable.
7:48
